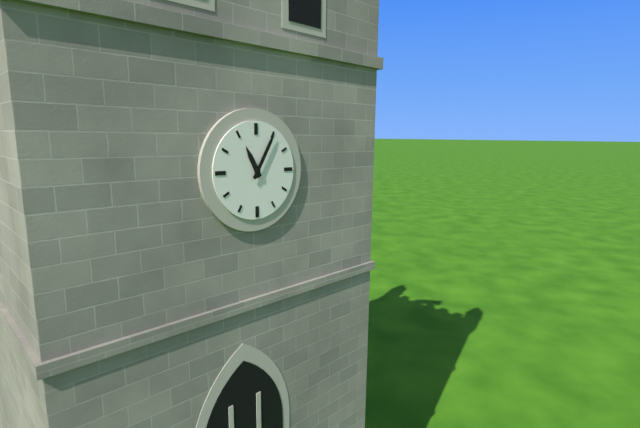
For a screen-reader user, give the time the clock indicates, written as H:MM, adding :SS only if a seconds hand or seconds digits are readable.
11:05
